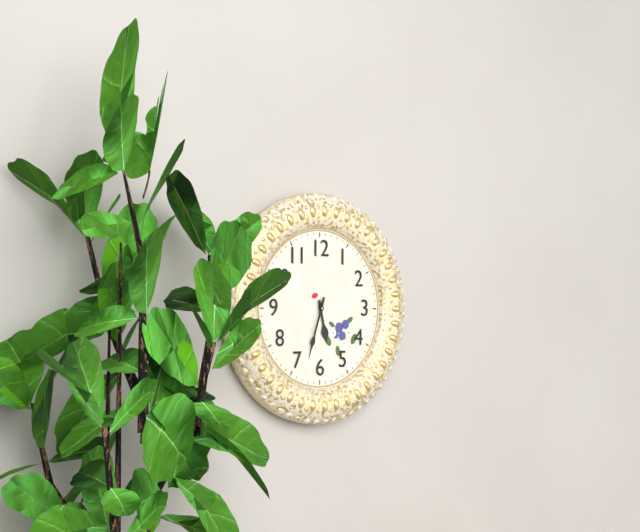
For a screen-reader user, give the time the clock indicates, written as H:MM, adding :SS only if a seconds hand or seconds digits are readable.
5:33
